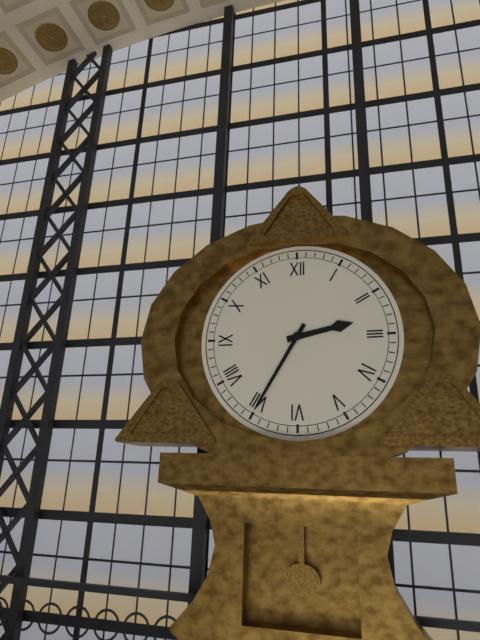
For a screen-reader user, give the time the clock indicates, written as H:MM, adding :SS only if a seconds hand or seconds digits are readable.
2:35
